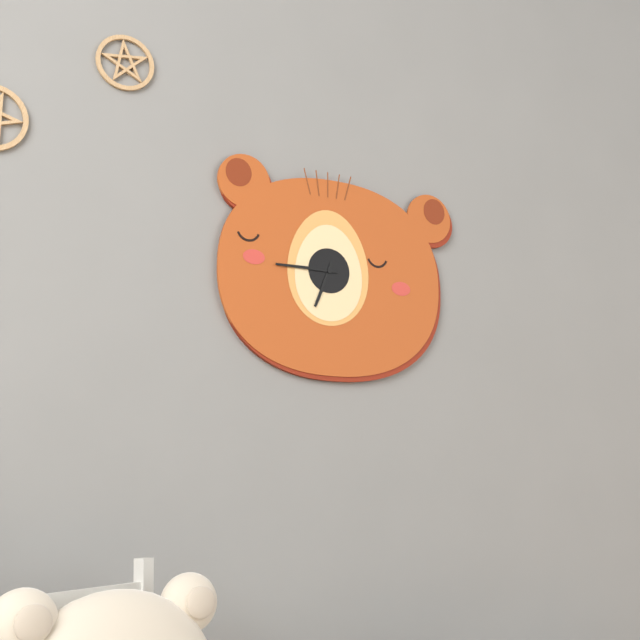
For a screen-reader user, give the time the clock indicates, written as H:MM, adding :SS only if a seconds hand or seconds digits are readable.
6:45
